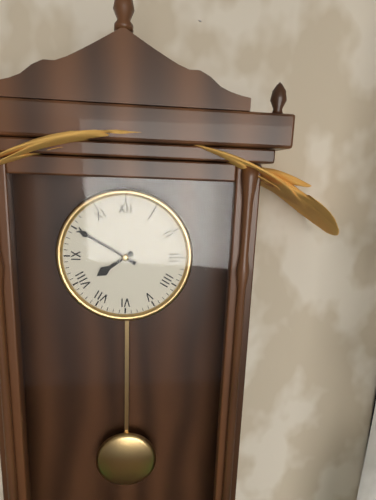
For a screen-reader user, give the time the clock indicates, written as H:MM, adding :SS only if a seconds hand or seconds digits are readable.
7:50
